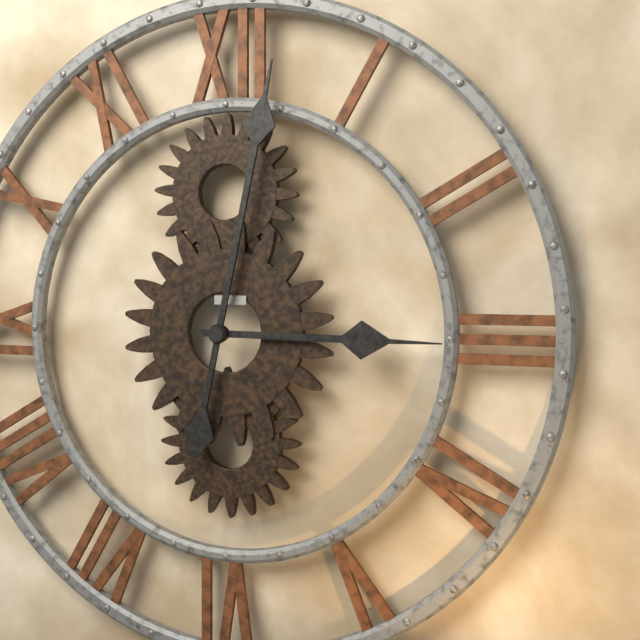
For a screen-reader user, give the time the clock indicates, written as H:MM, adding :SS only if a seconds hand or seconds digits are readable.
3:02
